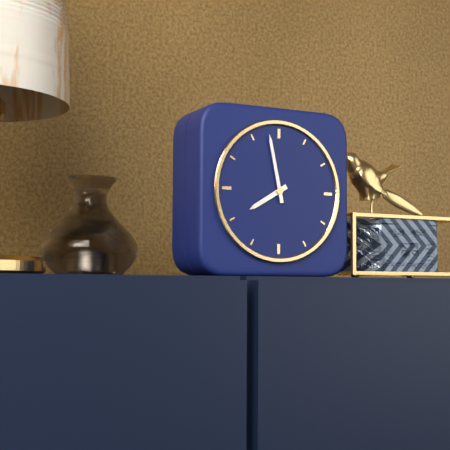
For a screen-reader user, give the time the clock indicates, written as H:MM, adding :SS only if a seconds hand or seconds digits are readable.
7:58
